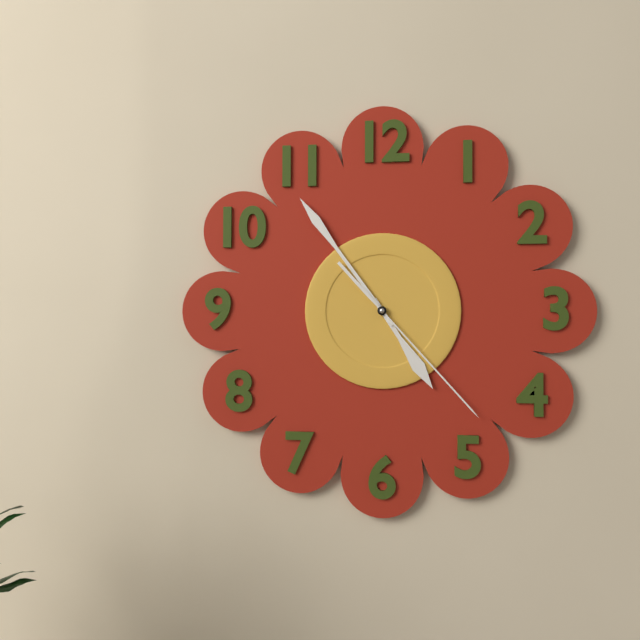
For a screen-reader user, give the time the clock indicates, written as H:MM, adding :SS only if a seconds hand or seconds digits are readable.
4:54:23
